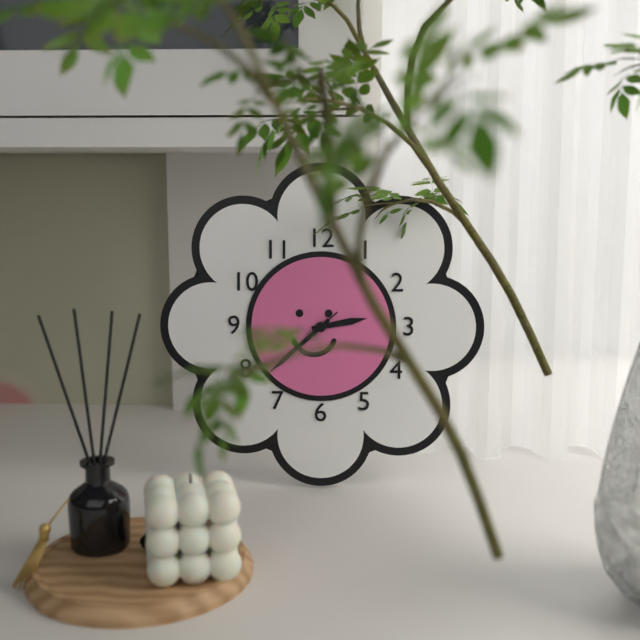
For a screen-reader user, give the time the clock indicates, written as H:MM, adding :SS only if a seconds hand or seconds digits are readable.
2:38:38
